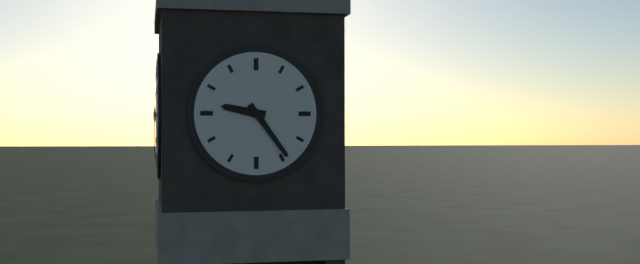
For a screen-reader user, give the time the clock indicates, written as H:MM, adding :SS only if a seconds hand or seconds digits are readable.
9:24
